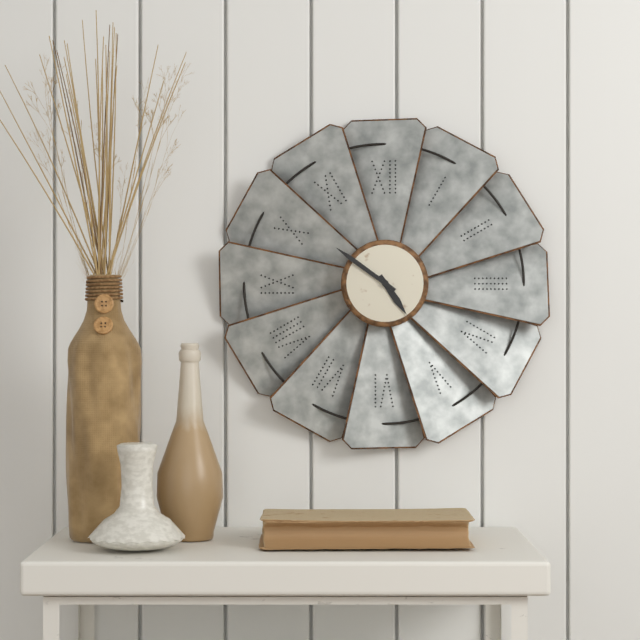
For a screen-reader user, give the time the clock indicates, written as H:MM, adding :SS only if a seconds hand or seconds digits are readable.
4:51
